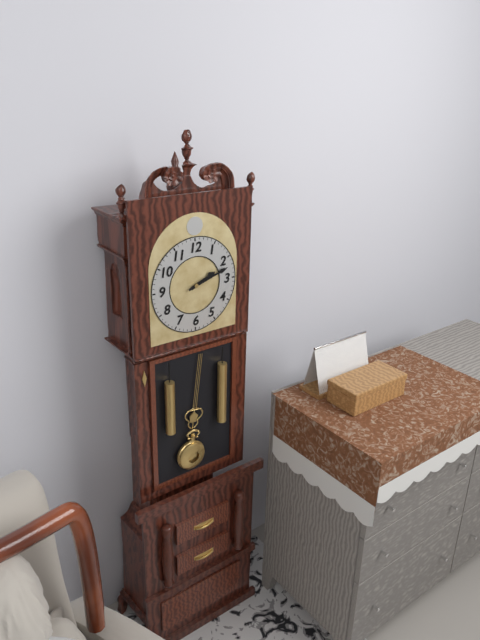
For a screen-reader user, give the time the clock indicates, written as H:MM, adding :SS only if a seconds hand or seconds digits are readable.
2:12
